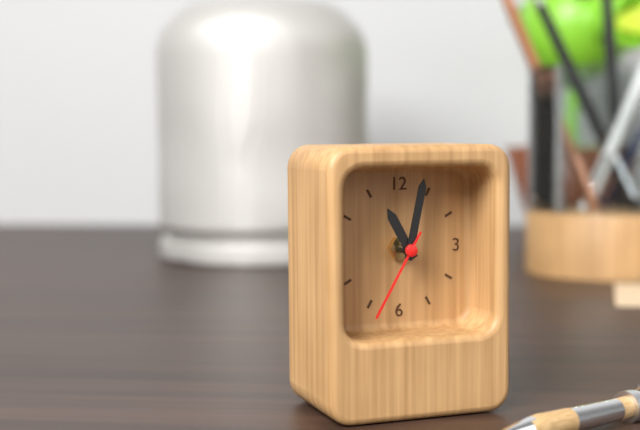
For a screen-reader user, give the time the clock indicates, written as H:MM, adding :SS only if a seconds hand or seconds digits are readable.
11:02:35
